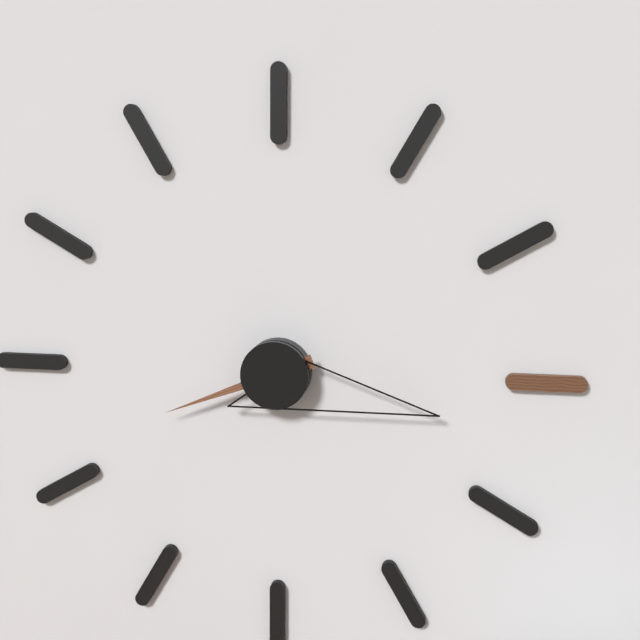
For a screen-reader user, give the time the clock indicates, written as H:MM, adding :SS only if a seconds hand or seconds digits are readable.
8:17
